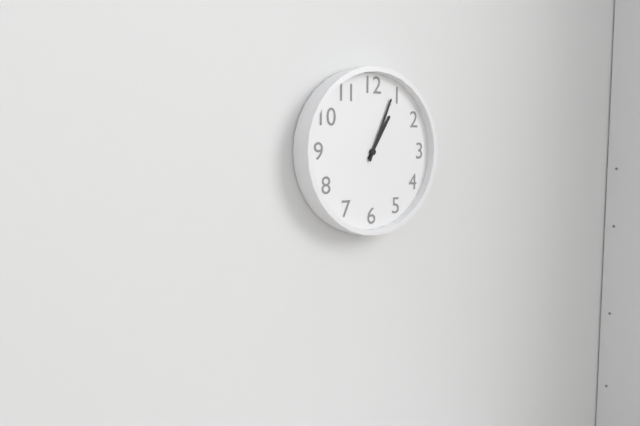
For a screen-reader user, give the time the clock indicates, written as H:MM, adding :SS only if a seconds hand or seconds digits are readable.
1:04
